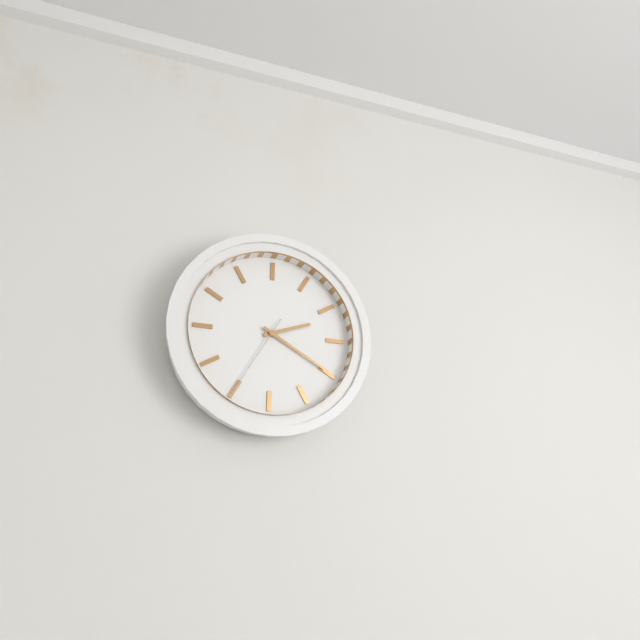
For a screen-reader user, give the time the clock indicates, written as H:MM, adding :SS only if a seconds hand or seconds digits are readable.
2:20:35
